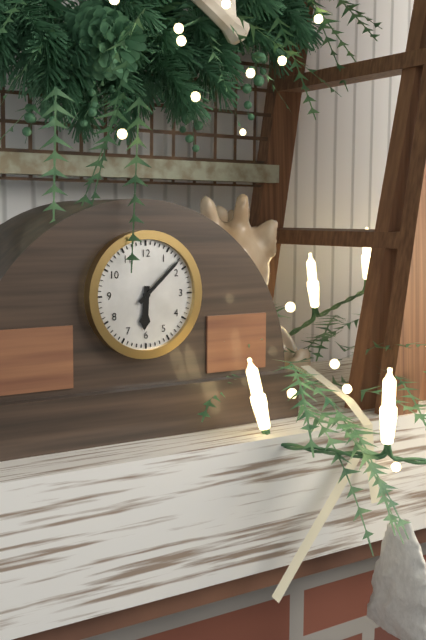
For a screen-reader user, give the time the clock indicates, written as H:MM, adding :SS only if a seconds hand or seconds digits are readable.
6:08
